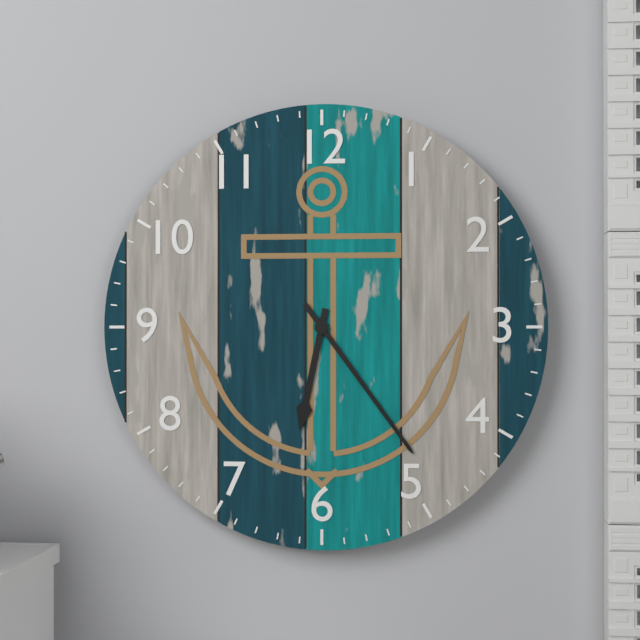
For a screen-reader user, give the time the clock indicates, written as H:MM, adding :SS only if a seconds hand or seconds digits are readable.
6:24
